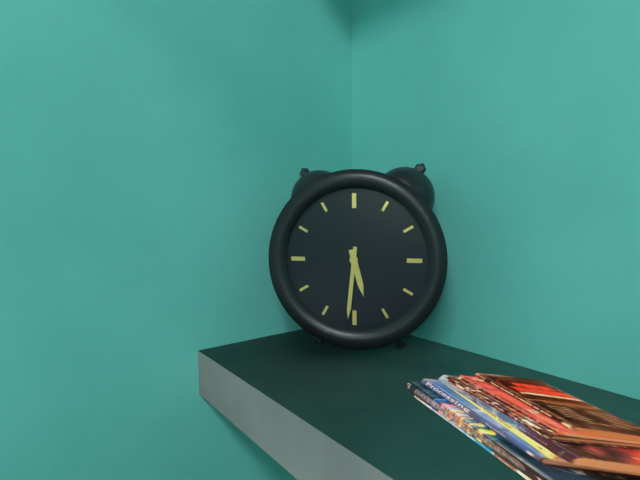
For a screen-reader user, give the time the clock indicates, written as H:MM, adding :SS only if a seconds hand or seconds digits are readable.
5:31
